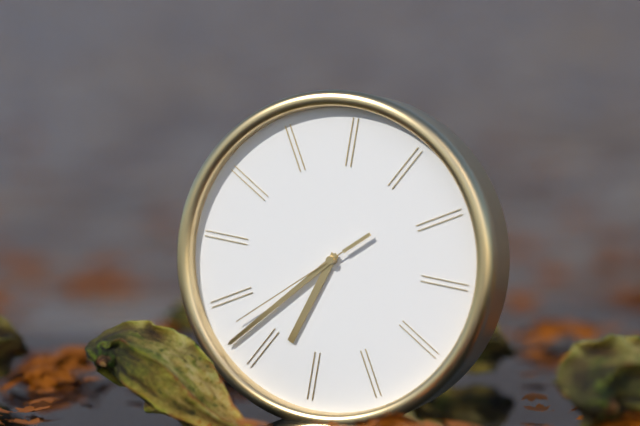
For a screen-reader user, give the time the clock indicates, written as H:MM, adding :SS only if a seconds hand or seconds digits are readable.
6:37:38
